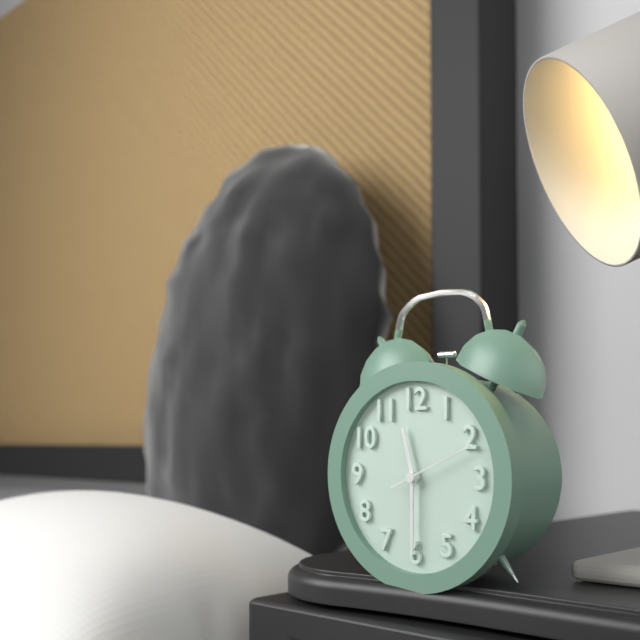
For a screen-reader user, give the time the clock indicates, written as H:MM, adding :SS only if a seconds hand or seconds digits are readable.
11:30:11
